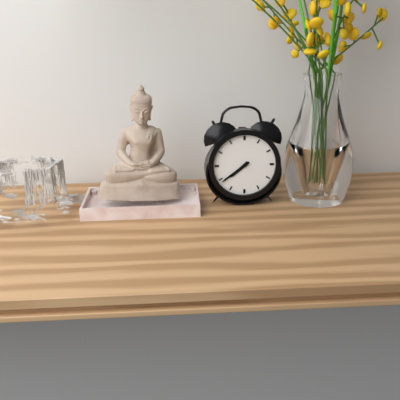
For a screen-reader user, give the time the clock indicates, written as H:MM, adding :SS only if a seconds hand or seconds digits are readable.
7:39
